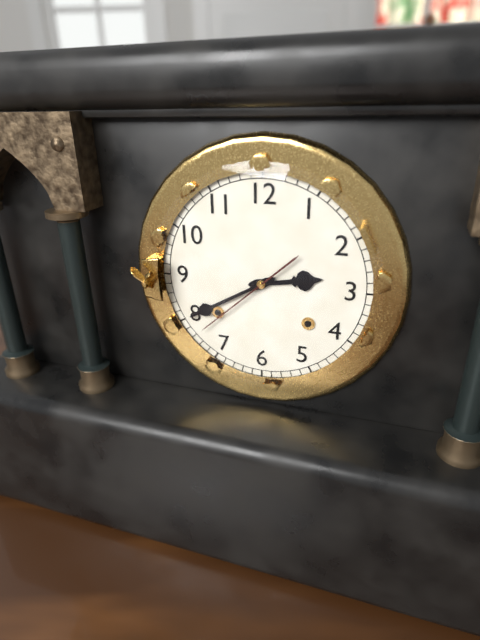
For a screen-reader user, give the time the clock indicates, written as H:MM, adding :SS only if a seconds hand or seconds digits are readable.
2:40:38
